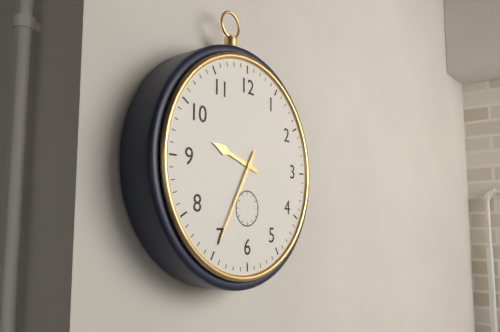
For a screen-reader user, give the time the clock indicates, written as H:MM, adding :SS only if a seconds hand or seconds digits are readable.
9:35
